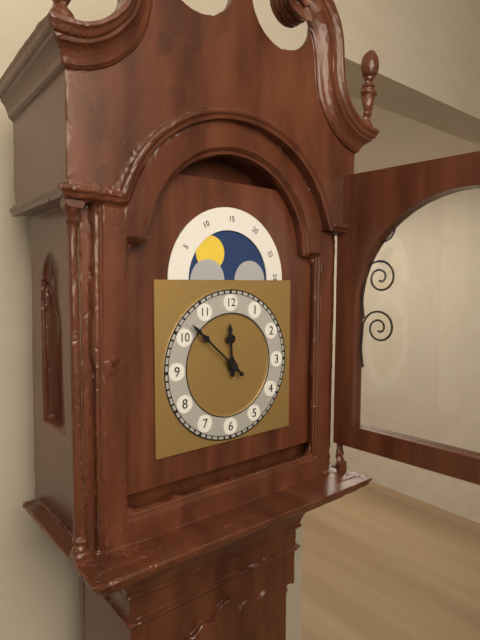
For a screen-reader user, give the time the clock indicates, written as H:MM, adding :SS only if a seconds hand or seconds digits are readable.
11:52
